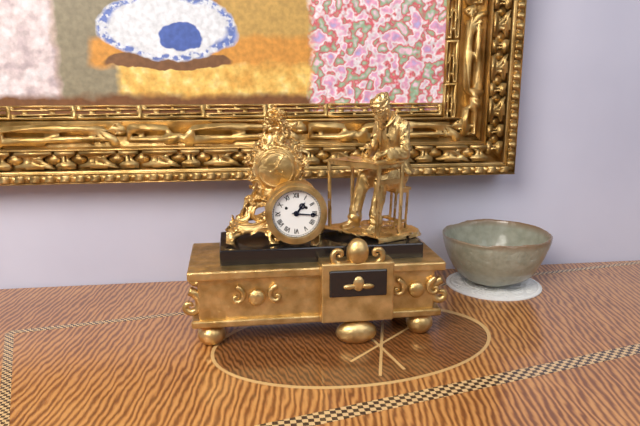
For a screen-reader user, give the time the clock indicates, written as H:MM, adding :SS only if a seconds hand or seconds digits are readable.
1:16
